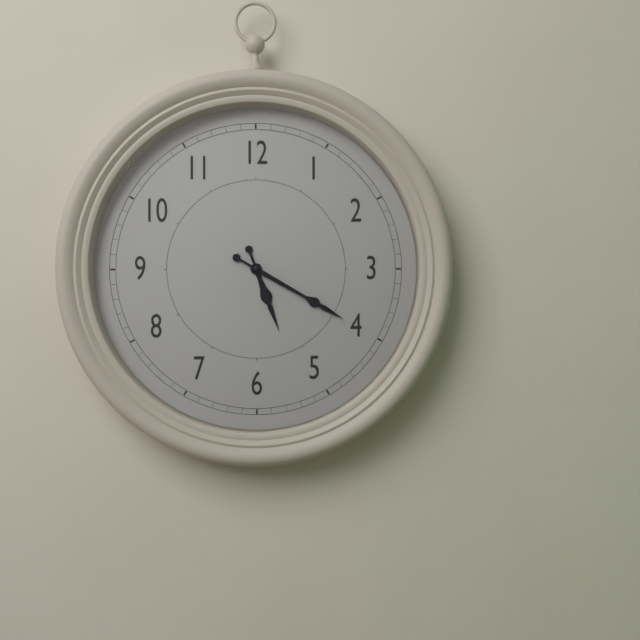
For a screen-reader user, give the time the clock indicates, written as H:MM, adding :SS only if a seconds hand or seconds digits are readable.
5:20
